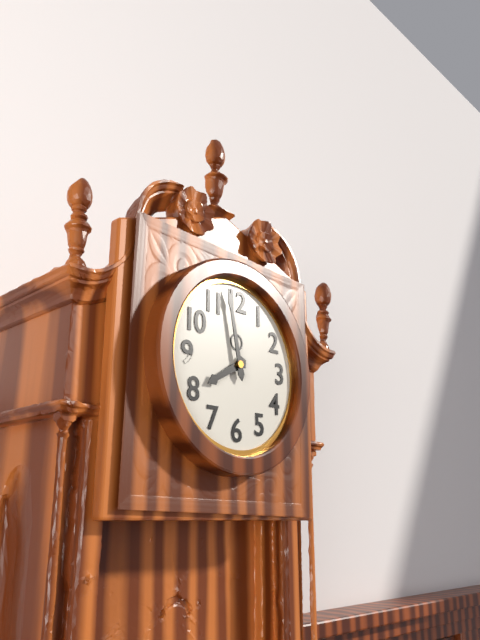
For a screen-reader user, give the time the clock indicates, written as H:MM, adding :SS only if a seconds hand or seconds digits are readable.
7:58
